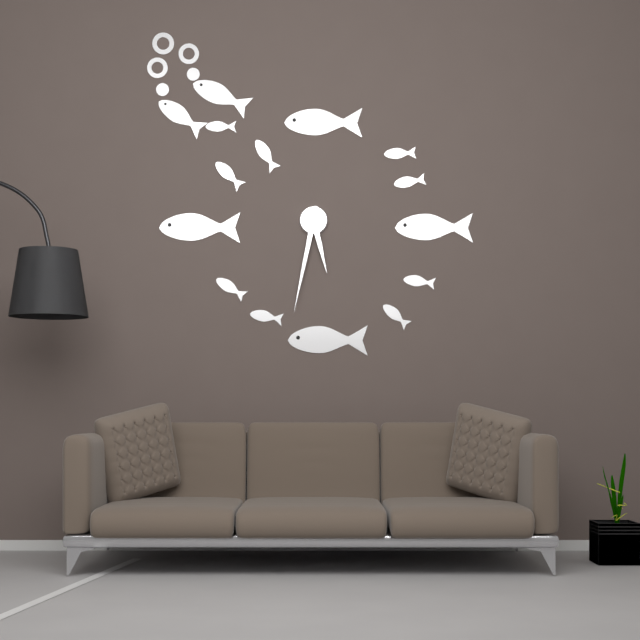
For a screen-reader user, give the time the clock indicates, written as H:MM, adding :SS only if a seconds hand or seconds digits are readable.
5:32
